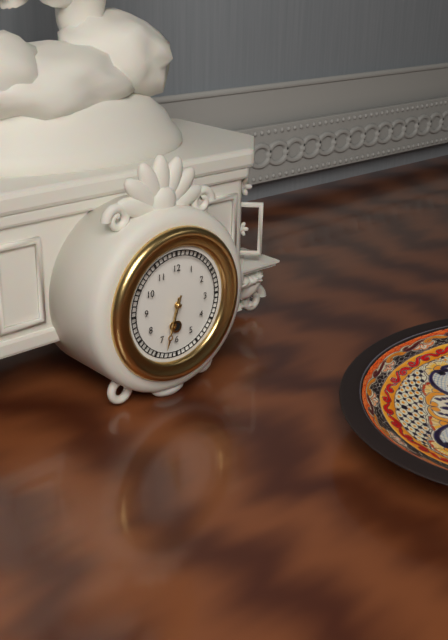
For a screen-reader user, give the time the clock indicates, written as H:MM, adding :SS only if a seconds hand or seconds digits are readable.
6:33
